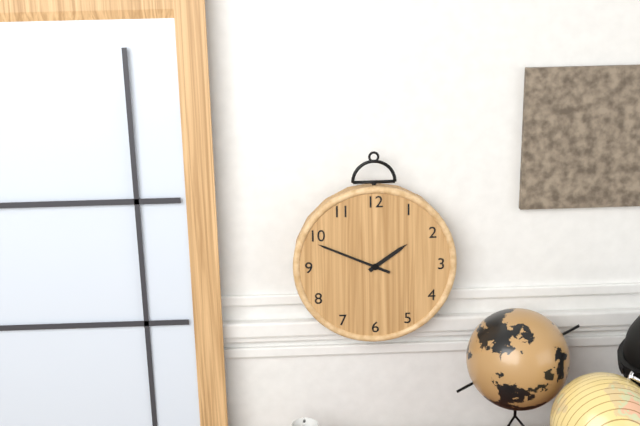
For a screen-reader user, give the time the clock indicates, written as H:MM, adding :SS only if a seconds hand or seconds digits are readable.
1:49
